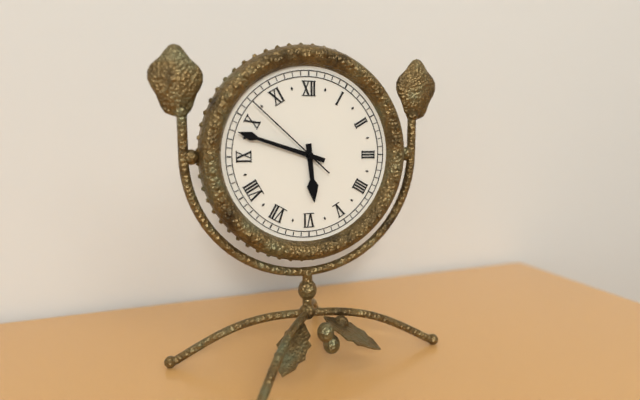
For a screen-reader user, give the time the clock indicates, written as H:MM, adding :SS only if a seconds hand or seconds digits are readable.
5:48:52
